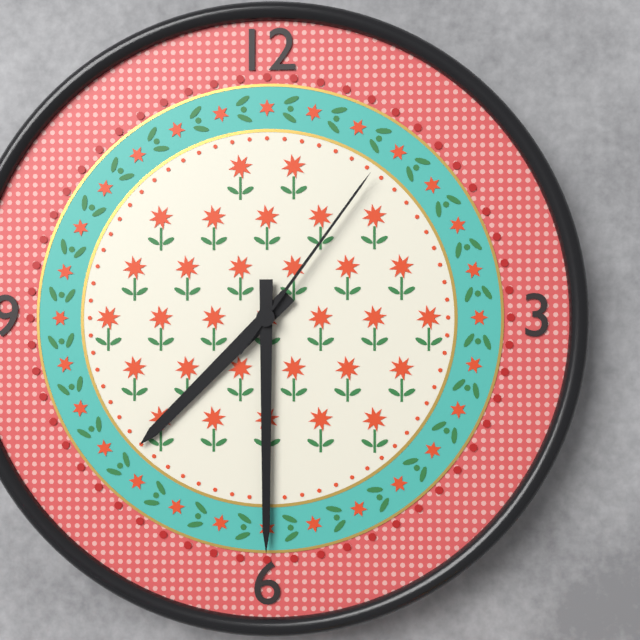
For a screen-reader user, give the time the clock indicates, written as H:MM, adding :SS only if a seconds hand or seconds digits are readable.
7:30:06
